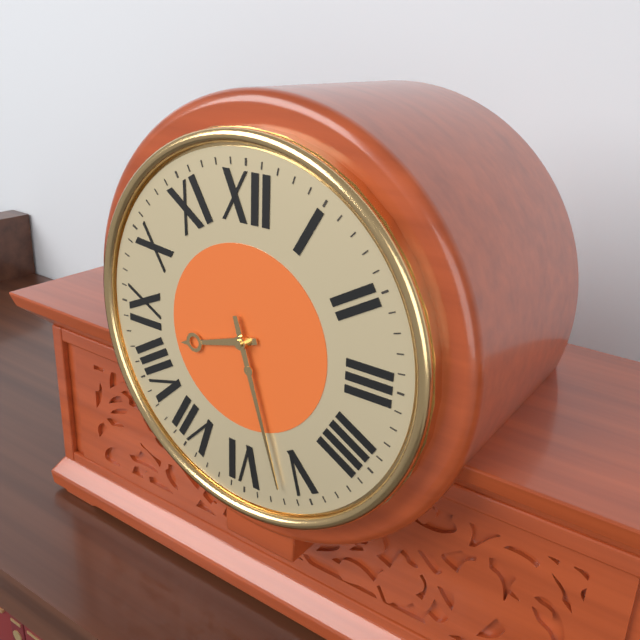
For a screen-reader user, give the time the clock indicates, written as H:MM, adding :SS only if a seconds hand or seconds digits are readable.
8:27
